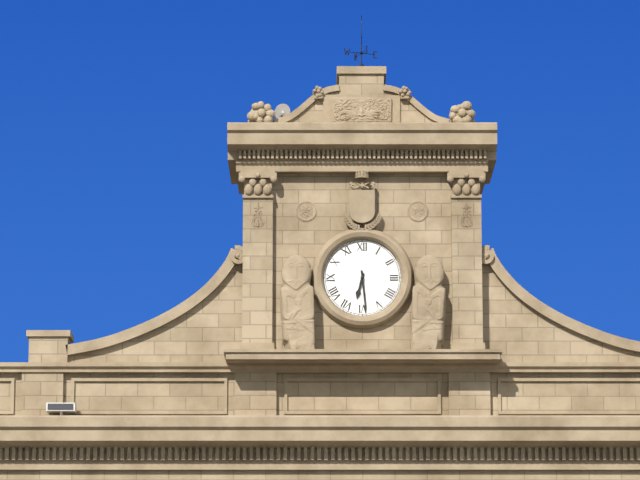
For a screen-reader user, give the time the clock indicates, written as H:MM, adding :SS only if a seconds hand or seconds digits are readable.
6:29
